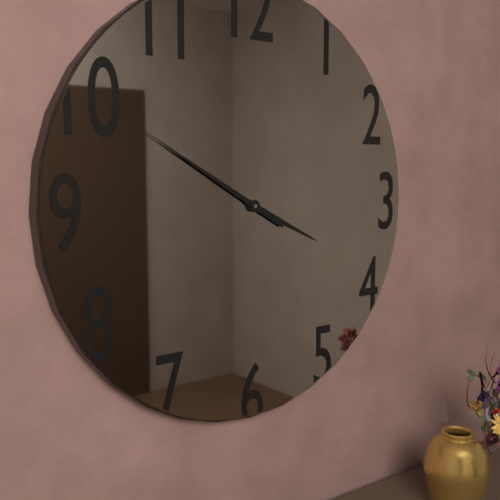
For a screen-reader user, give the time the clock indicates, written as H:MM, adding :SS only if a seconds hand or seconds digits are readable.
3:50
